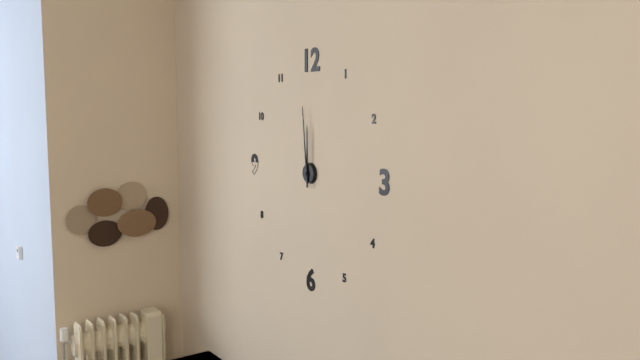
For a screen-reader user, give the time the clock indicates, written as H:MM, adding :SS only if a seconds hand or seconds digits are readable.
11:59
